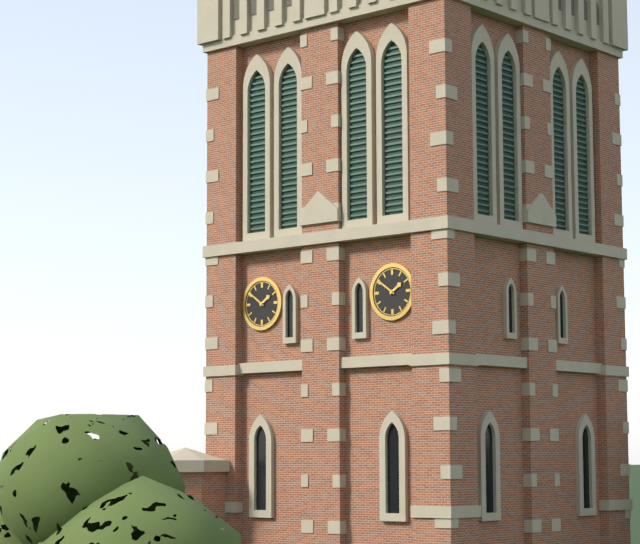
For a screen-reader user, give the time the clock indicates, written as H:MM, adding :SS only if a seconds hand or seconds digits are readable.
1:51
